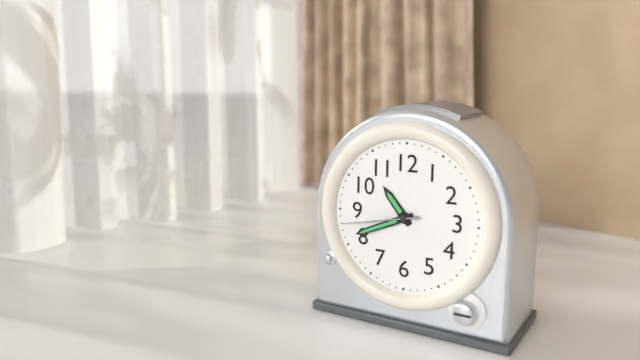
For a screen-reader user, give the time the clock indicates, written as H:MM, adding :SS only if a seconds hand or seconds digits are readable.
10:41:43
